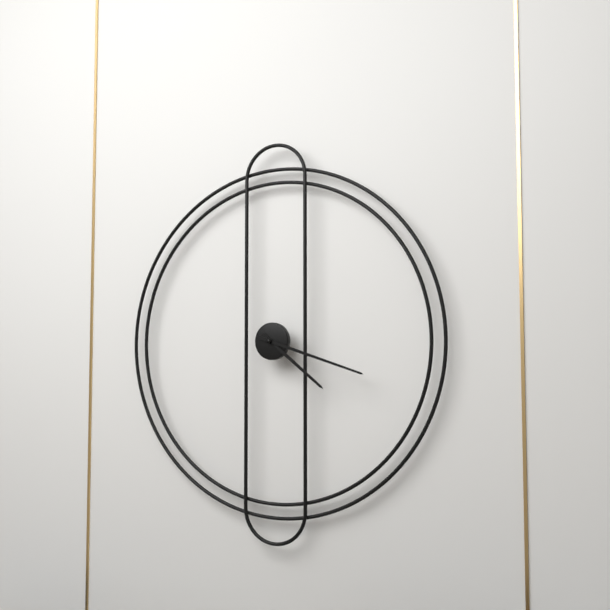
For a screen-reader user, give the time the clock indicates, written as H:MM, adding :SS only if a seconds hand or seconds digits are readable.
4:18
